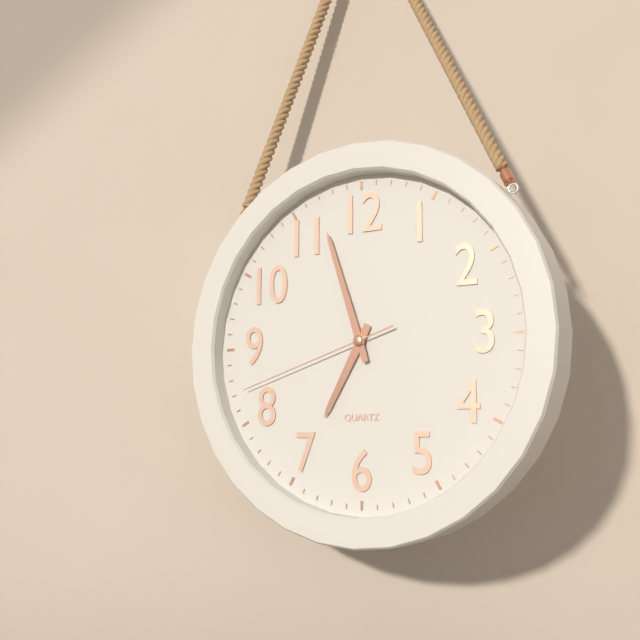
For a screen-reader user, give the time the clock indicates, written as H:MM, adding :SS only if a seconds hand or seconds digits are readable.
6:57:42
